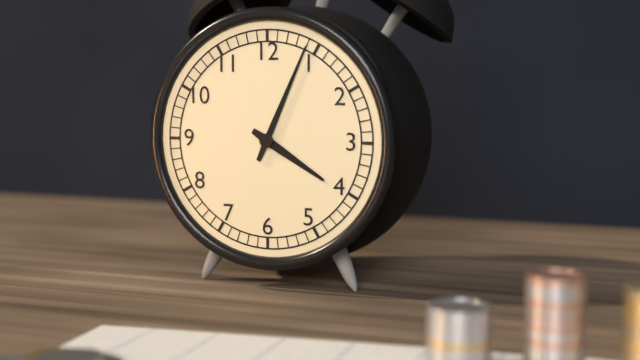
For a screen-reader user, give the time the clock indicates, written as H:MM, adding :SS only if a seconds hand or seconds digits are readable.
4:04
